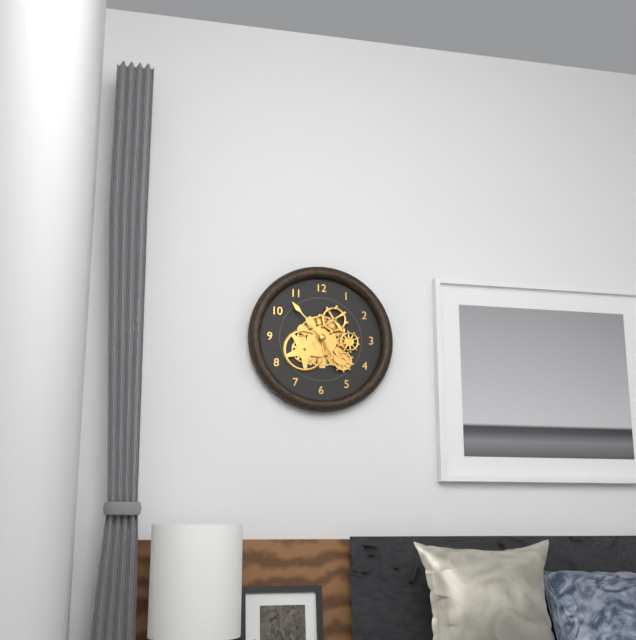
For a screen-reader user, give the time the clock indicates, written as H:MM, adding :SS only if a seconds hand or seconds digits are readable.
4:53
